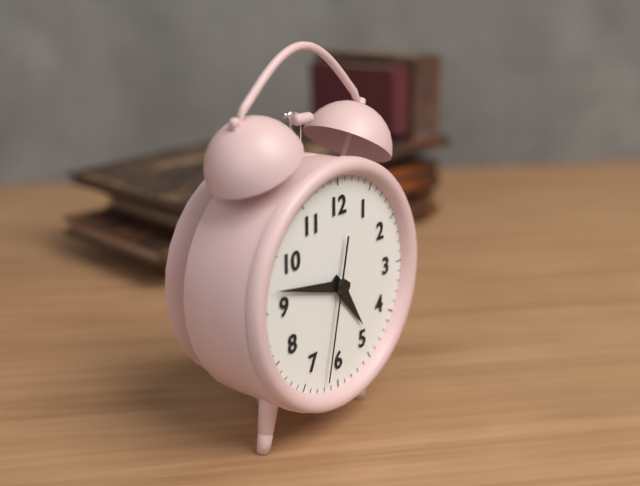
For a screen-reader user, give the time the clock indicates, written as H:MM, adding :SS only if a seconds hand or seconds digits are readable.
4:47:32
